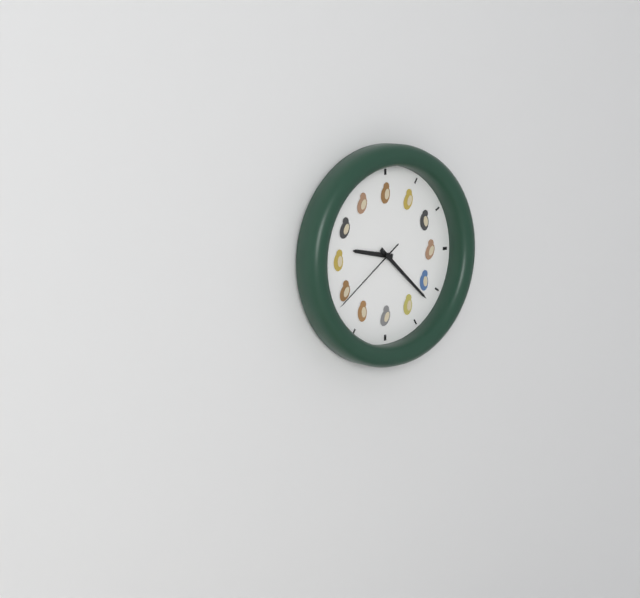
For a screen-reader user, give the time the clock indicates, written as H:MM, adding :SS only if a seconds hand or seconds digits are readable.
9:22:39
